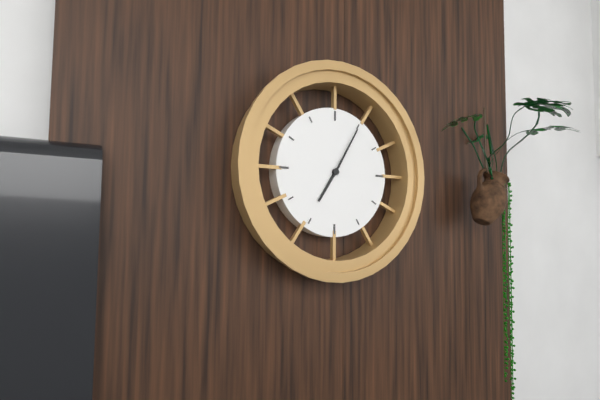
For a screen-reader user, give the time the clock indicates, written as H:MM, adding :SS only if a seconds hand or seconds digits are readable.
7:05
